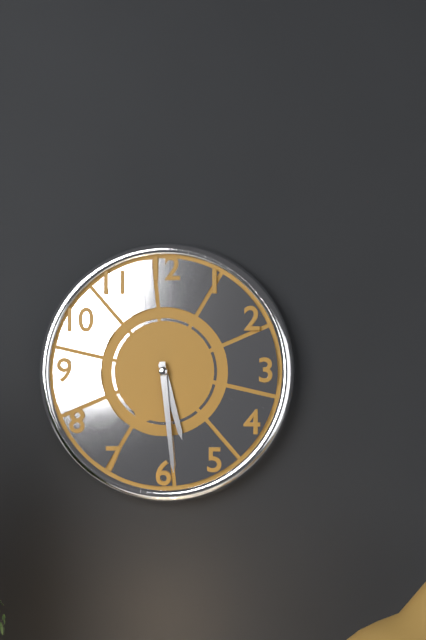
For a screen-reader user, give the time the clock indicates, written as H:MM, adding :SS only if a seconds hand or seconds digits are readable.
5:29
